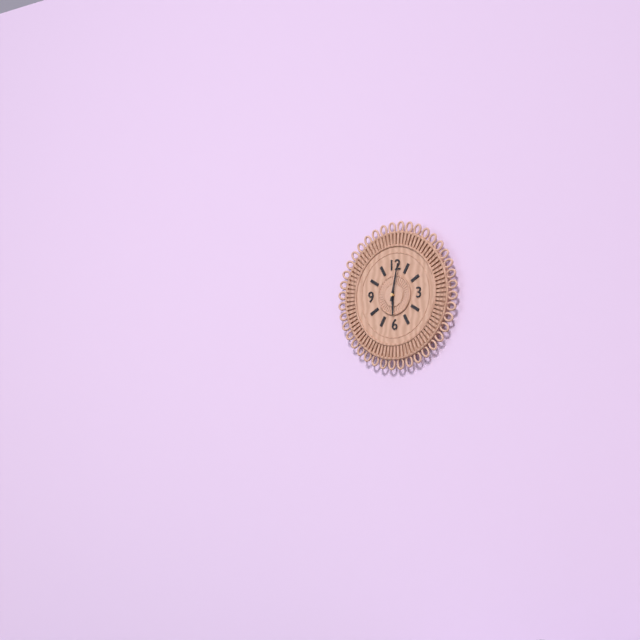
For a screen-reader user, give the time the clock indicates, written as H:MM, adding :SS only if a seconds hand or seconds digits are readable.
6:02
